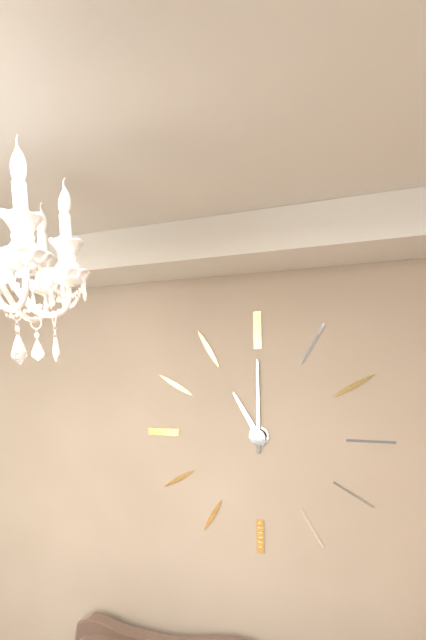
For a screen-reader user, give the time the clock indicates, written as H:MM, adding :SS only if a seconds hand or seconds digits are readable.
11:00
